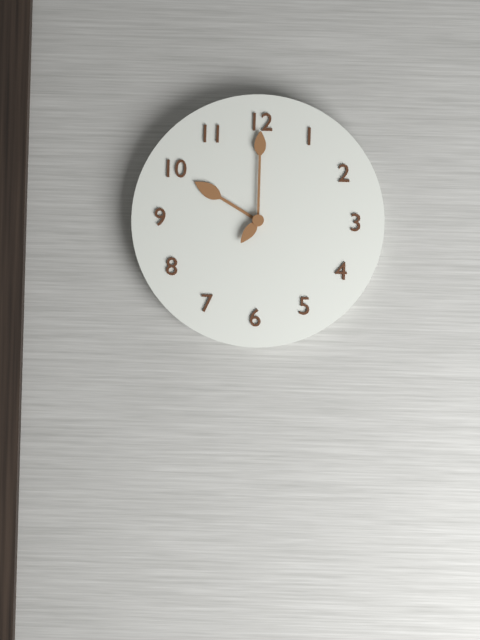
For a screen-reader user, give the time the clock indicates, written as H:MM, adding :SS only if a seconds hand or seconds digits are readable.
10:00
